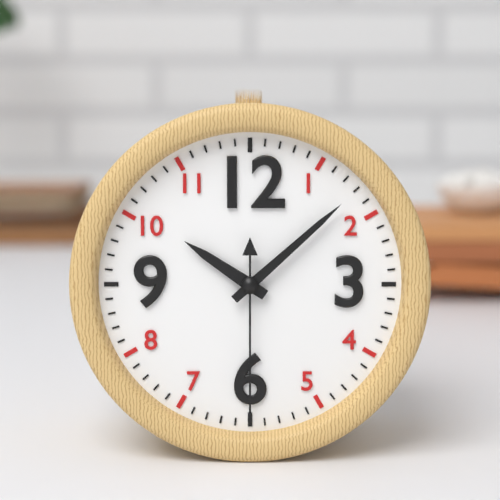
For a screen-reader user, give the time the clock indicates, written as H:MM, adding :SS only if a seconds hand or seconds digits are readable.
10:08:30
